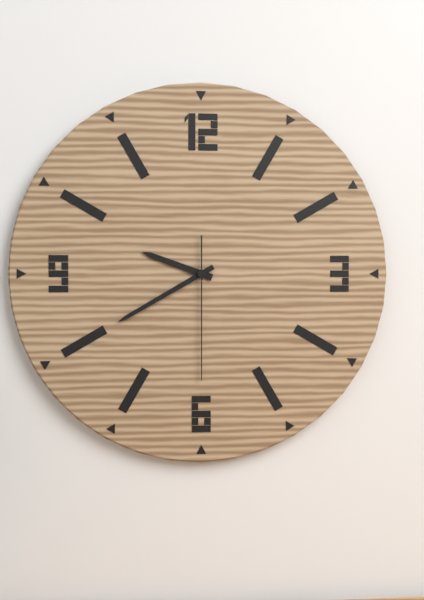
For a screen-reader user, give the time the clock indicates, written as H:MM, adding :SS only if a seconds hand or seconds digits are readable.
9:40:30
